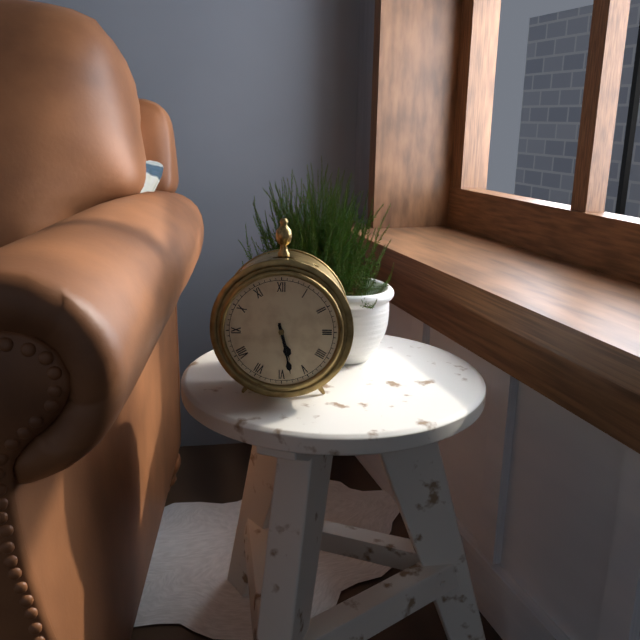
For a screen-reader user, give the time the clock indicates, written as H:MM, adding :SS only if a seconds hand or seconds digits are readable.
5:28
